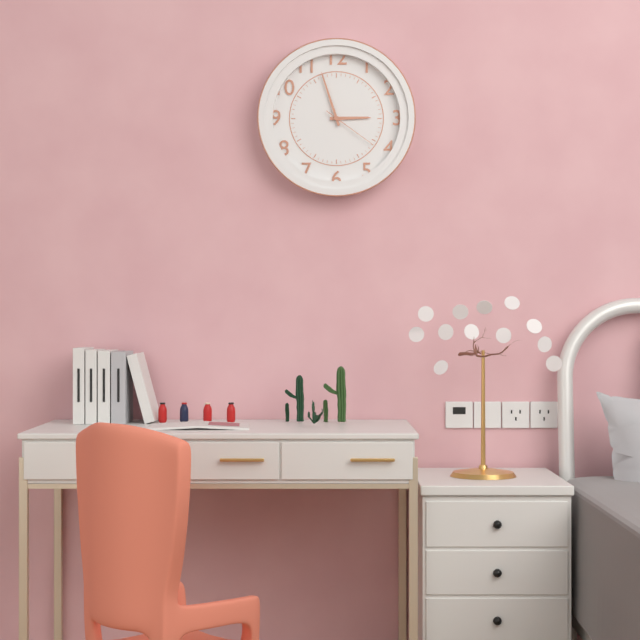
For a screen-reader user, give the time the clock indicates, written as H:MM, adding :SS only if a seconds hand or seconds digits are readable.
2:57:21
